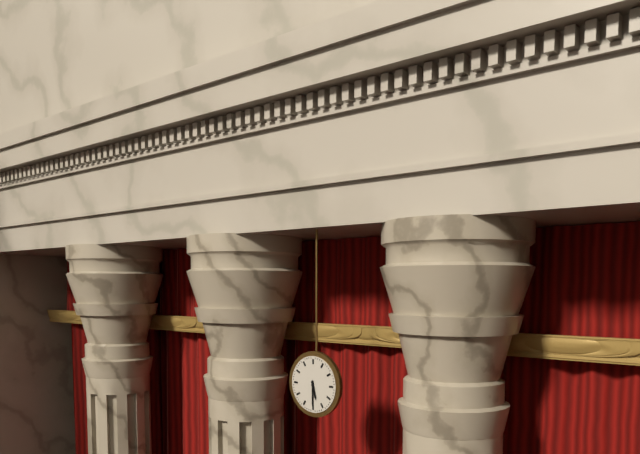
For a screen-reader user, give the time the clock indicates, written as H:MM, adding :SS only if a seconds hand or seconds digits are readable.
5:30
